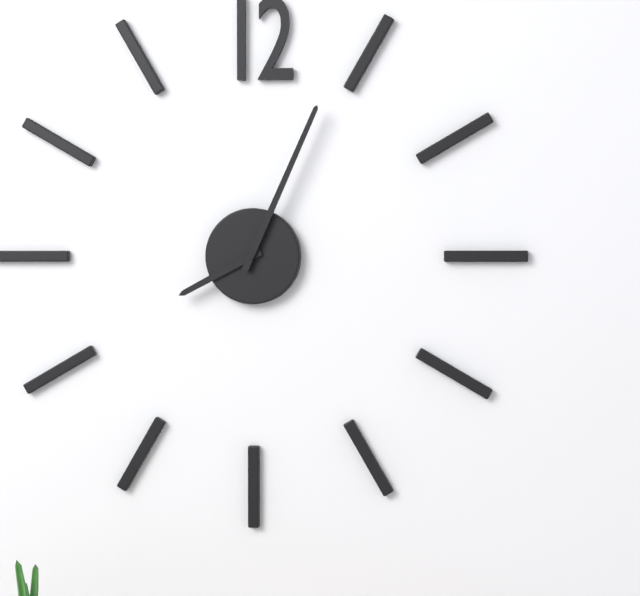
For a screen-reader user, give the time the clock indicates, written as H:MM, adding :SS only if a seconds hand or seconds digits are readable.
8:04
